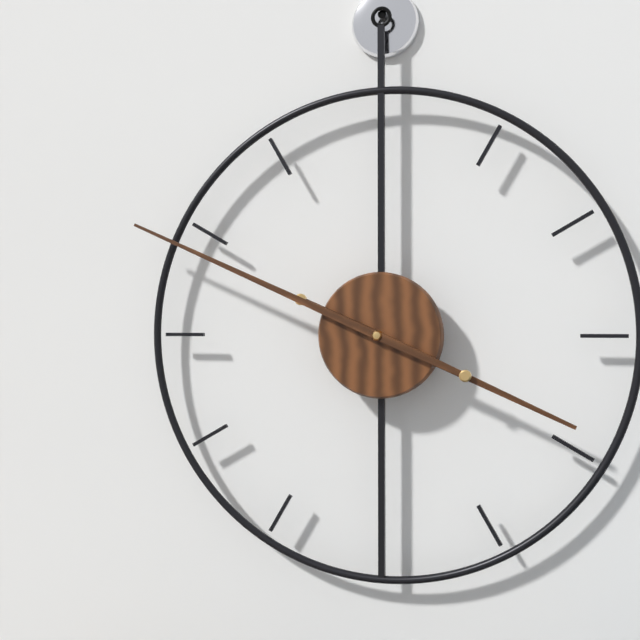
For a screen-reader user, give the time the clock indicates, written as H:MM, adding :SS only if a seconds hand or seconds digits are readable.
3:49
